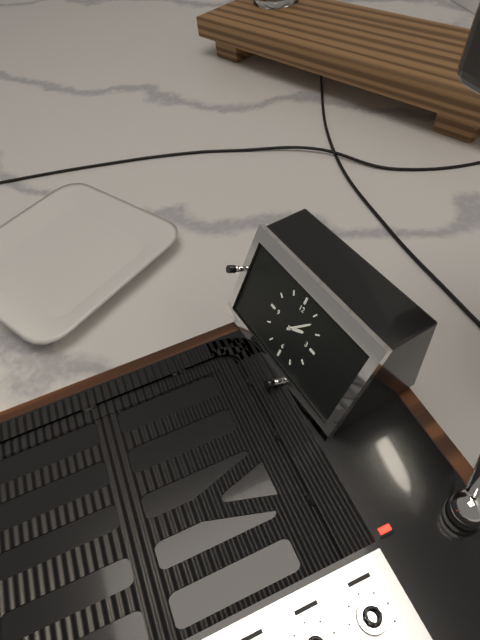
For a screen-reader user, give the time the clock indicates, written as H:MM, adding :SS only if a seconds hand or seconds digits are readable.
2:07
